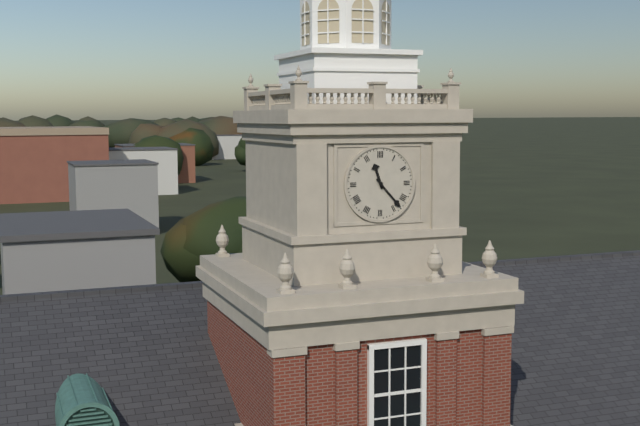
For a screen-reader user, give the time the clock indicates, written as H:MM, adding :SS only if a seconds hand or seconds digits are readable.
11:23
